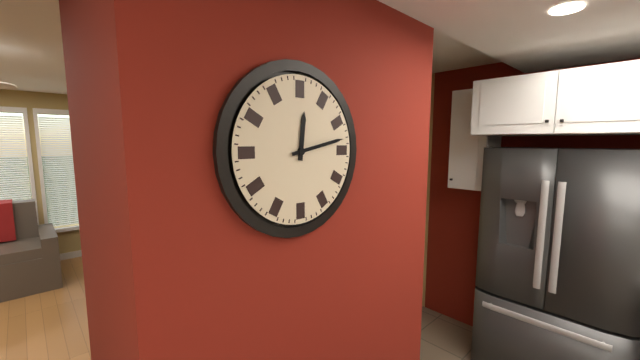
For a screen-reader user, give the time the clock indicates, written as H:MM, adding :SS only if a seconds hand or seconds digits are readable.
12:13
